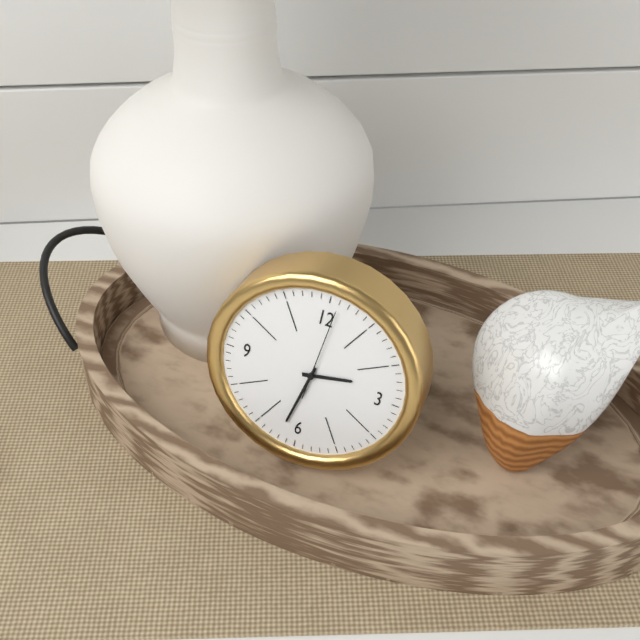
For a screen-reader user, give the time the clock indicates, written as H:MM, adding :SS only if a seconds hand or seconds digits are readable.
2:32:01
